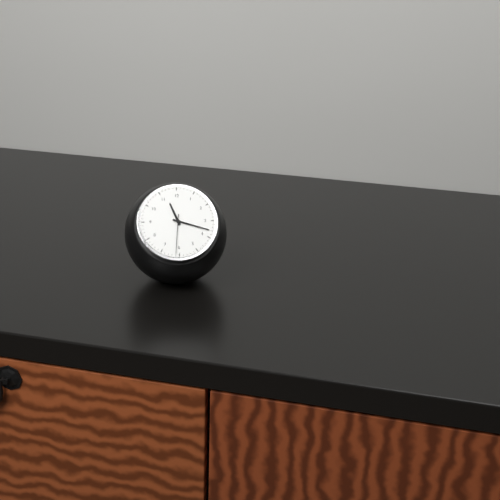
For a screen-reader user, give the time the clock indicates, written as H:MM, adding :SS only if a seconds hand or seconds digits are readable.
11:18
